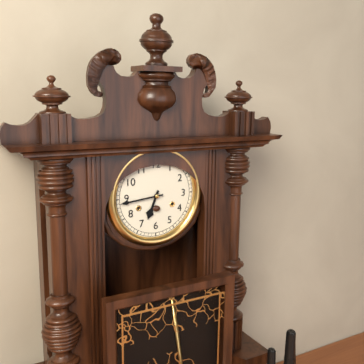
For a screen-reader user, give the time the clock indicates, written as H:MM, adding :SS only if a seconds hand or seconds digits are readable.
6:44
